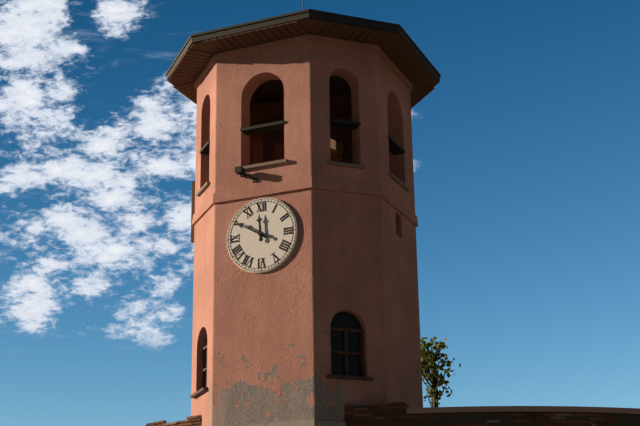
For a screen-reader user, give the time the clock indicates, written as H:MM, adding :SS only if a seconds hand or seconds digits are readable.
11:50
